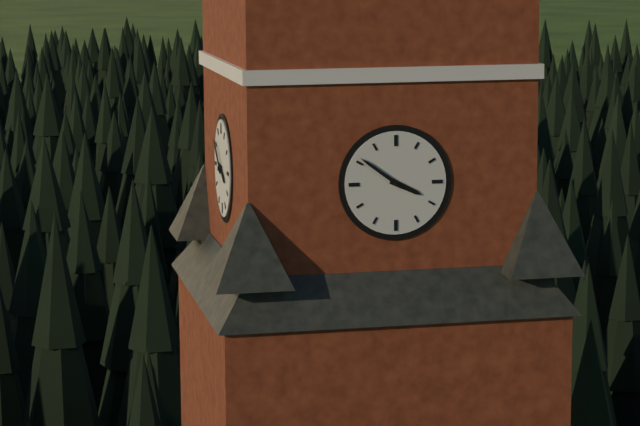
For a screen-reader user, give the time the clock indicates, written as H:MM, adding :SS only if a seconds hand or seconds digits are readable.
3:51
